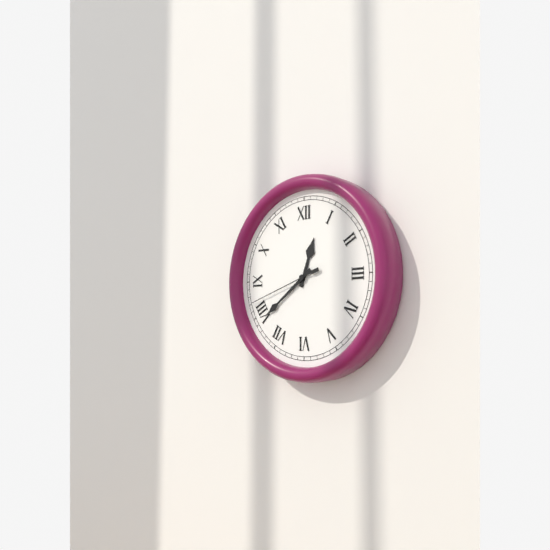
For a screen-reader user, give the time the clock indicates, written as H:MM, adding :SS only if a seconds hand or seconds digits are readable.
12:39:42
